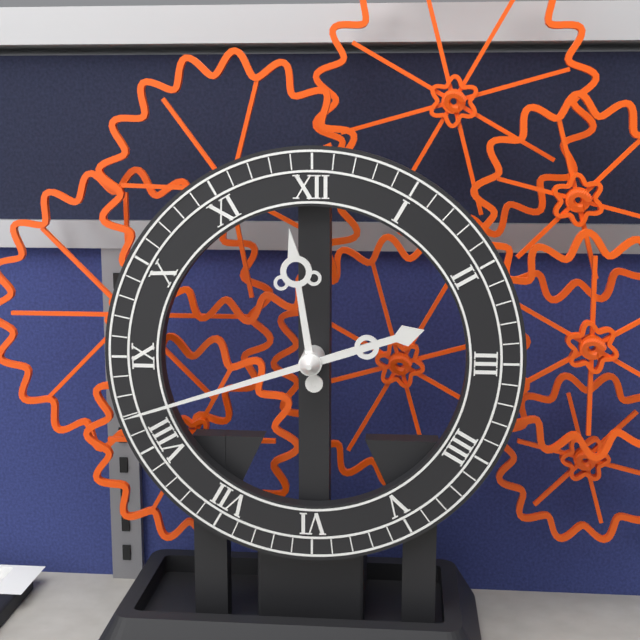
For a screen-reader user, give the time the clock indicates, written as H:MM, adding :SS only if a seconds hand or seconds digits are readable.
11:42
